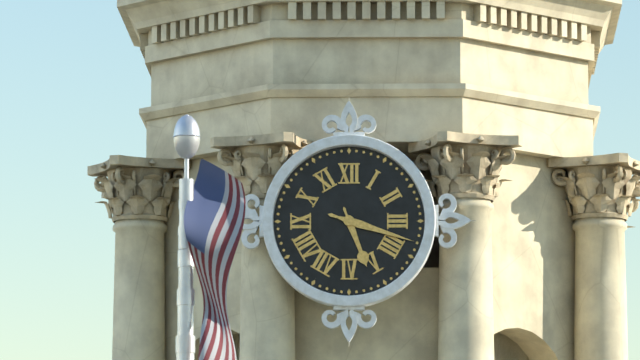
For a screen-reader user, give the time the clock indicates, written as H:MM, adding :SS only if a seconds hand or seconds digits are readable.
5:18
